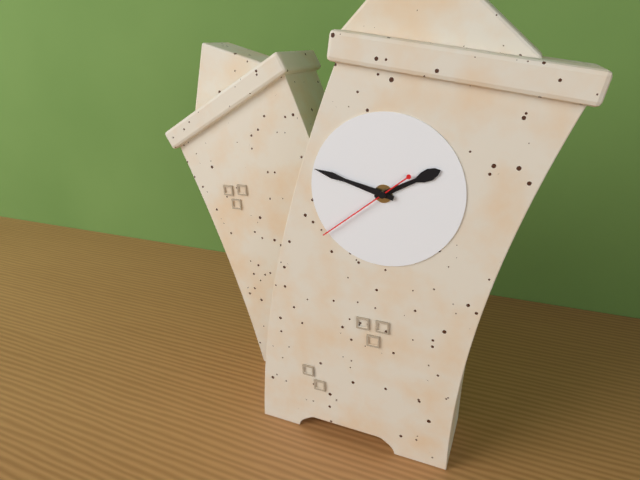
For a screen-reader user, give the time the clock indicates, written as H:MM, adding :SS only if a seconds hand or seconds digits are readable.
1:46:37
